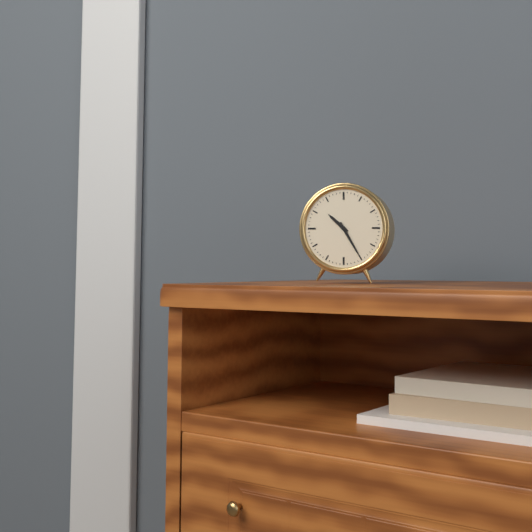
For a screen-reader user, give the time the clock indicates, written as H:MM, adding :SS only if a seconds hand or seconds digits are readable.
10:25
